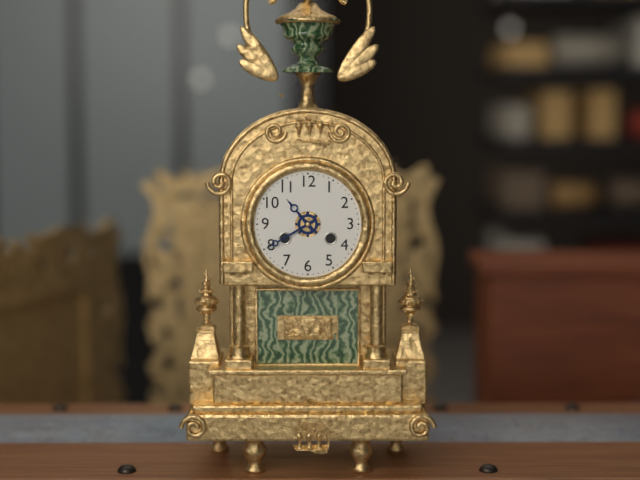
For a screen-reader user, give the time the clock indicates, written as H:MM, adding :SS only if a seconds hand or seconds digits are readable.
10:40
